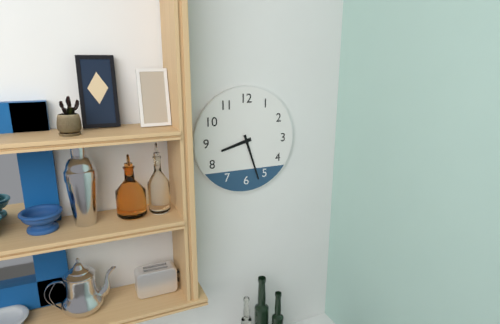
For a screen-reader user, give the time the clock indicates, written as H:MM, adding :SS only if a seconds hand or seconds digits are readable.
8:27
